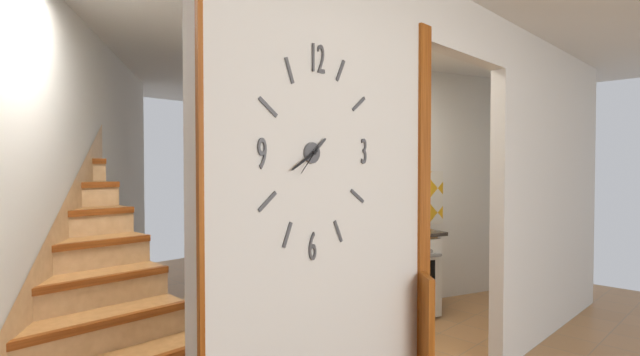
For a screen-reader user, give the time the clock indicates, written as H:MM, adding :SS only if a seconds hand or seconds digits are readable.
1:40
